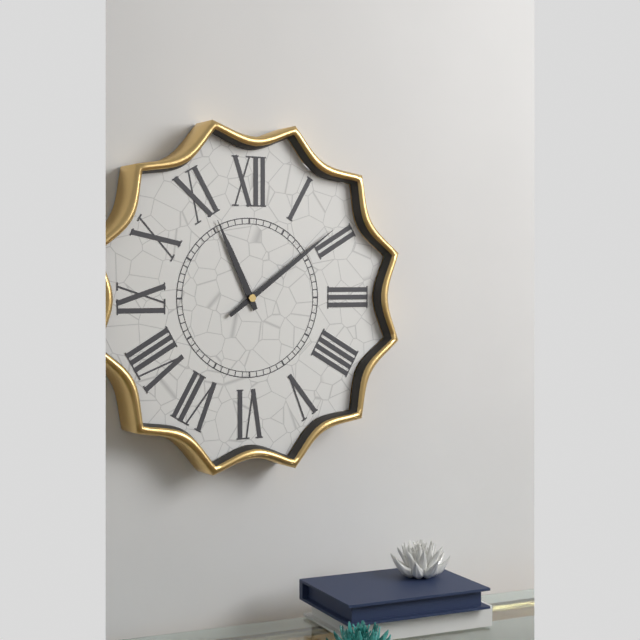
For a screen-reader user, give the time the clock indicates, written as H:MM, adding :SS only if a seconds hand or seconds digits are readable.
11:09
